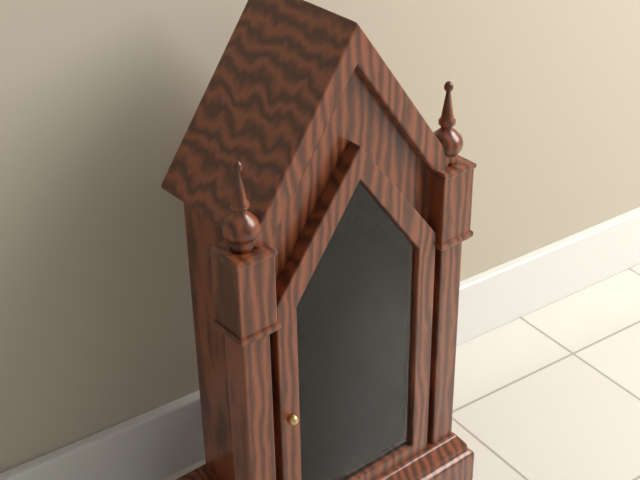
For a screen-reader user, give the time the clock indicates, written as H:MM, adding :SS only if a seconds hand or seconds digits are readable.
4:37
